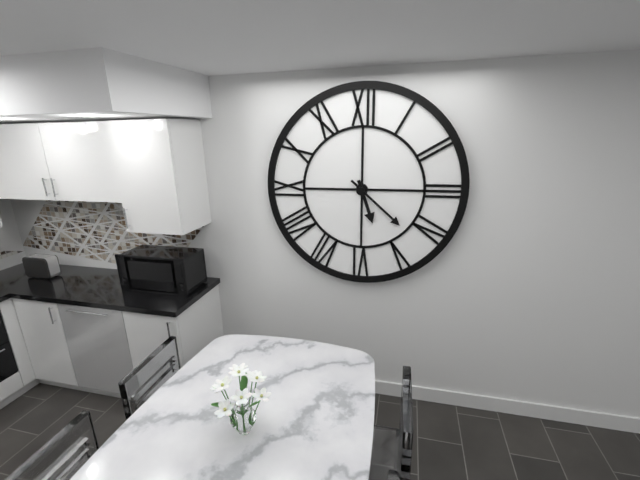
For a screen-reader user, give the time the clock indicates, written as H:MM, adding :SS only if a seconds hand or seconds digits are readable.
5:22
